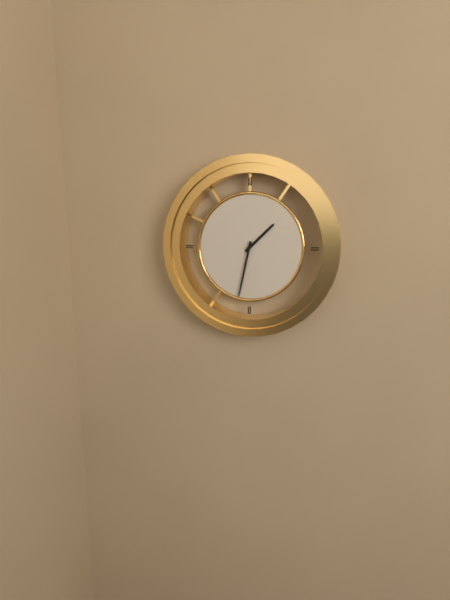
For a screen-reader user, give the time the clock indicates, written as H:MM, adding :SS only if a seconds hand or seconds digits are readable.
1:32
